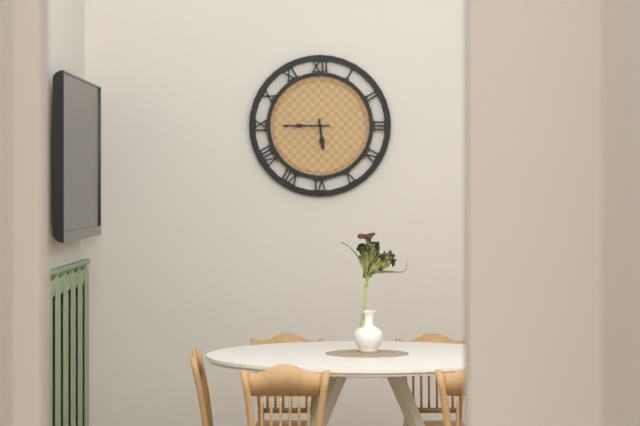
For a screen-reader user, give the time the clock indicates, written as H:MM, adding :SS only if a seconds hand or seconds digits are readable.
5:45
